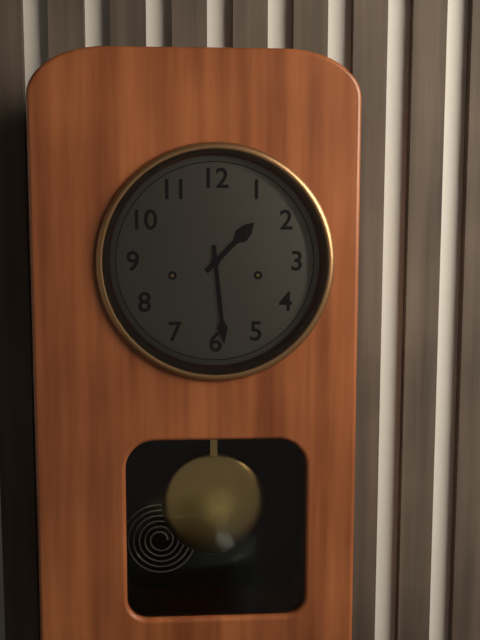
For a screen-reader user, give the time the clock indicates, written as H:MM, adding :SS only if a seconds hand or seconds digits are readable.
1:29
